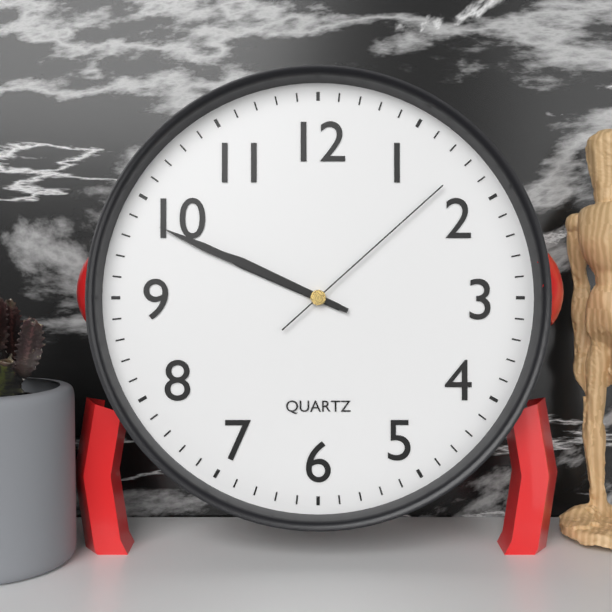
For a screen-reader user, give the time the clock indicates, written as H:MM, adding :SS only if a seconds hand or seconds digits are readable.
9:49:08
